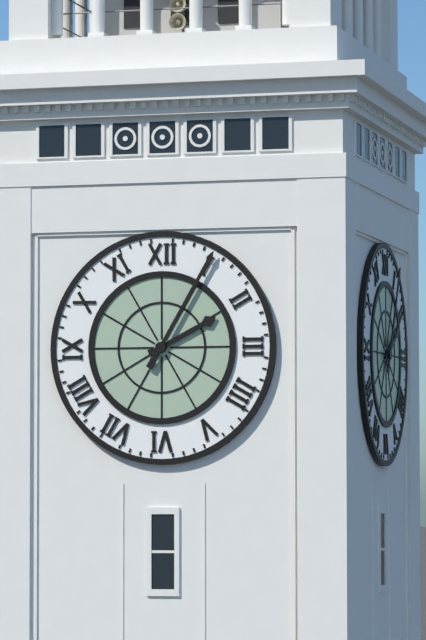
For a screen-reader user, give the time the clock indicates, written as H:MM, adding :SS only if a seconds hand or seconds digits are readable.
2:05
